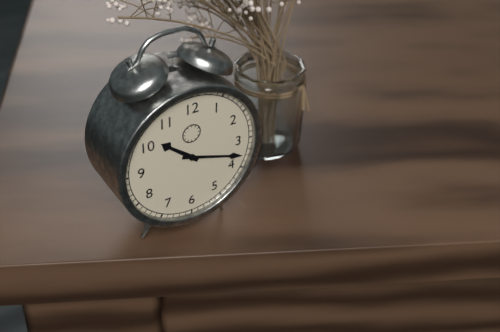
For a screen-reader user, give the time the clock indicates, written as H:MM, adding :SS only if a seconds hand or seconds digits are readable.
10:18
